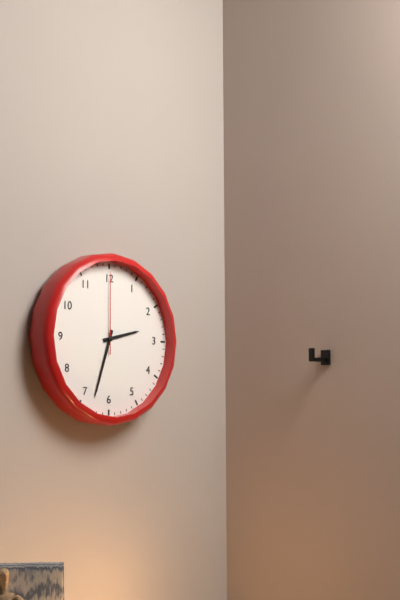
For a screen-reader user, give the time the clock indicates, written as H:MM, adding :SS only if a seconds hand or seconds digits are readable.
2:33:00
